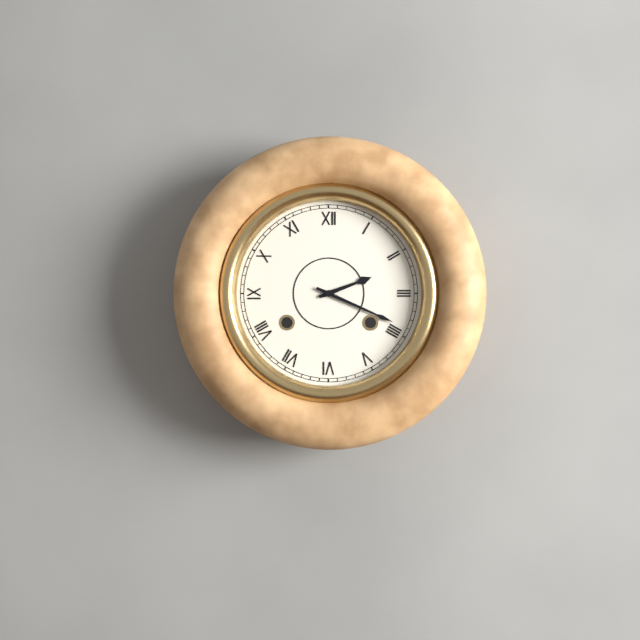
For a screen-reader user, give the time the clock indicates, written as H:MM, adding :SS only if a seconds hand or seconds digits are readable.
2:19
